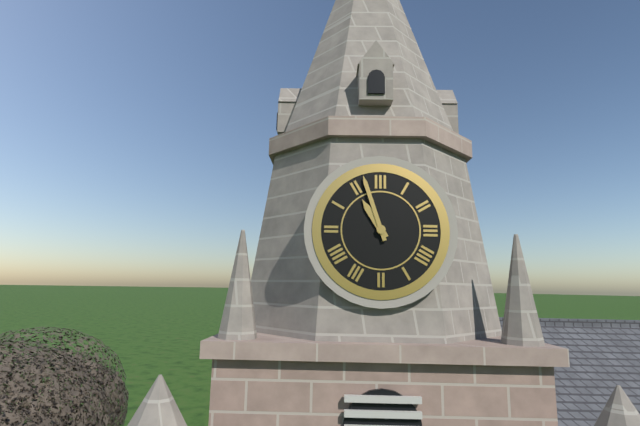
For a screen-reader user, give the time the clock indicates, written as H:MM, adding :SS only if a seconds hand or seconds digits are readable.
10:57
